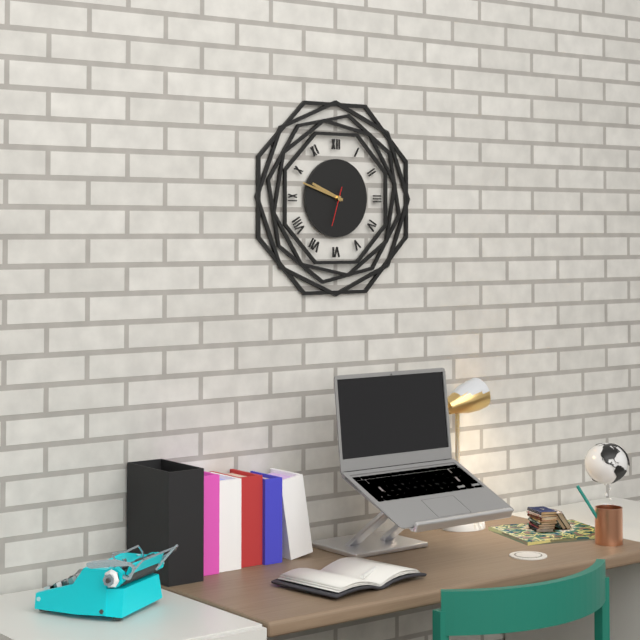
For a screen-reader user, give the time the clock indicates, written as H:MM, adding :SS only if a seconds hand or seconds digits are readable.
9:48
